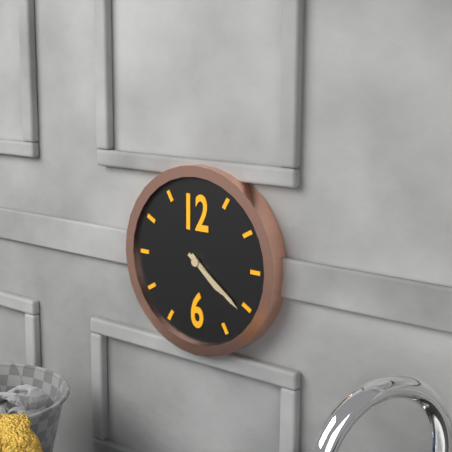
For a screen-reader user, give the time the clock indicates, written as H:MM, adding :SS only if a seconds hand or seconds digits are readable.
4:21
